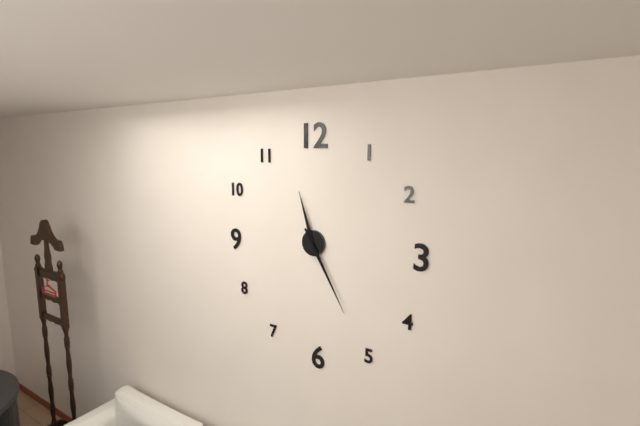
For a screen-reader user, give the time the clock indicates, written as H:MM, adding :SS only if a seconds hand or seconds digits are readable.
11:25
